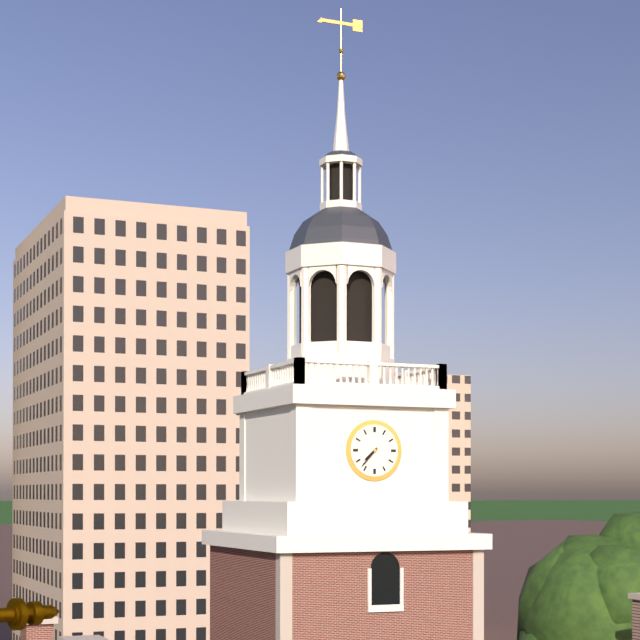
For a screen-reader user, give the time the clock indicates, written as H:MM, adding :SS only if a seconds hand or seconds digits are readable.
7:37
